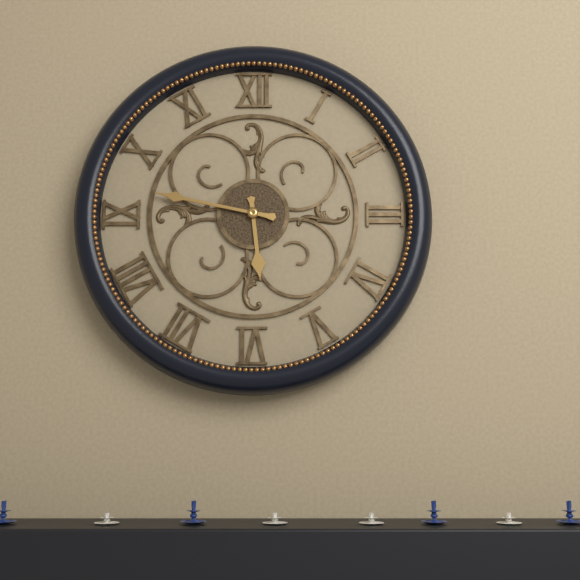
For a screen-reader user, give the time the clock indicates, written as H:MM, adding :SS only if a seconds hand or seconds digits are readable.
5:47
